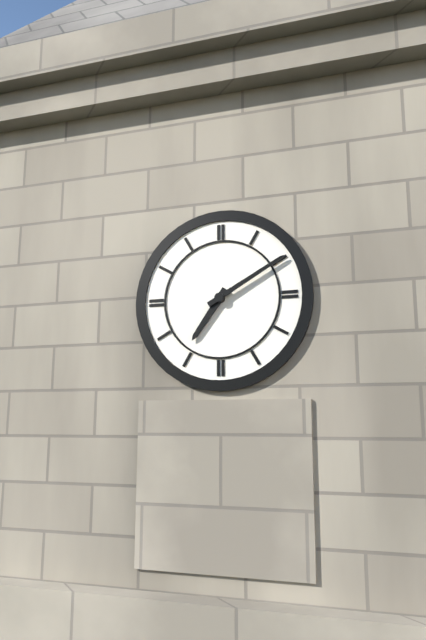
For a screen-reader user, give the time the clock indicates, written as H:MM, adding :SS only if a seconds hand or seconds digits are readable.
7:10
